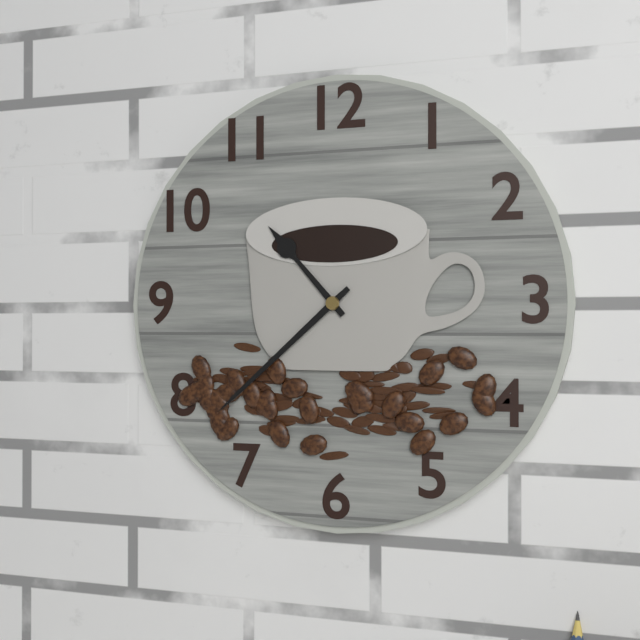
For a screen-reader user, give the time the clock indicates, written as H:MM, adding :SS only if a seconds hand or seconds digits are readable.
10:38
